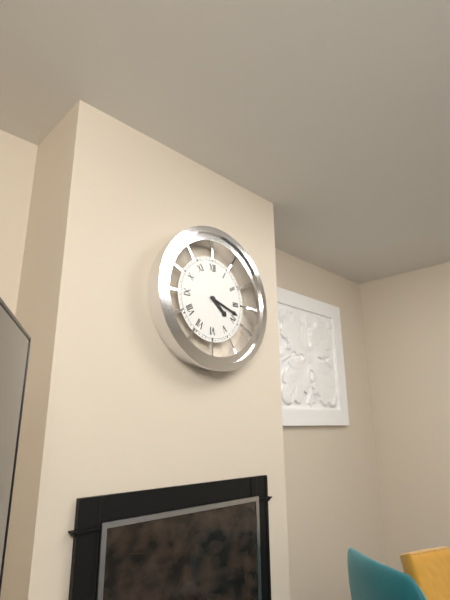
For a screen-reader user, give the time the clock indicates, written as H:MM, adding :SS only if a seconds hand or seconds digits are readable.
4:18
